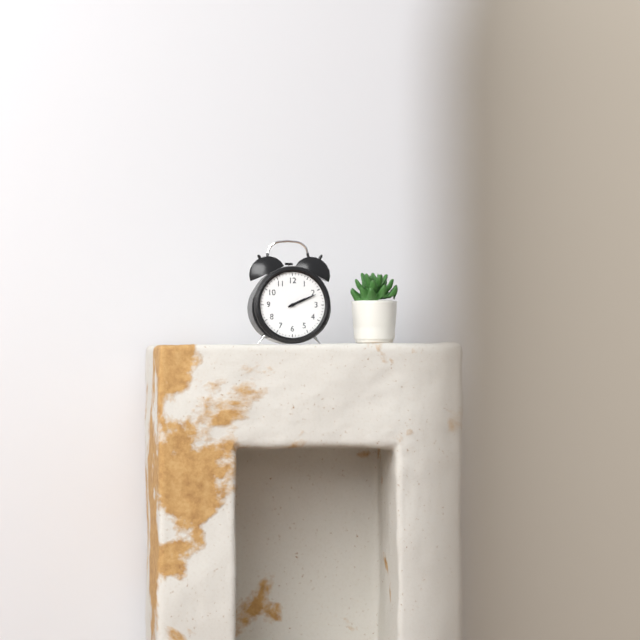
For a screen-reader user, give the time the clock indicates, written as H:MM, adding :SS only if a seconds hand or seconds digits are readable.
2:11
